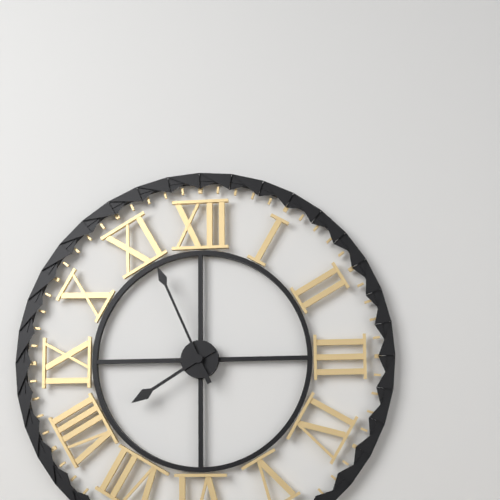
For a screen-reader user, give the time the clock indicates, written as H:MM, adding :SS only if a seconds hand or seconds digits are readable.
7:56
